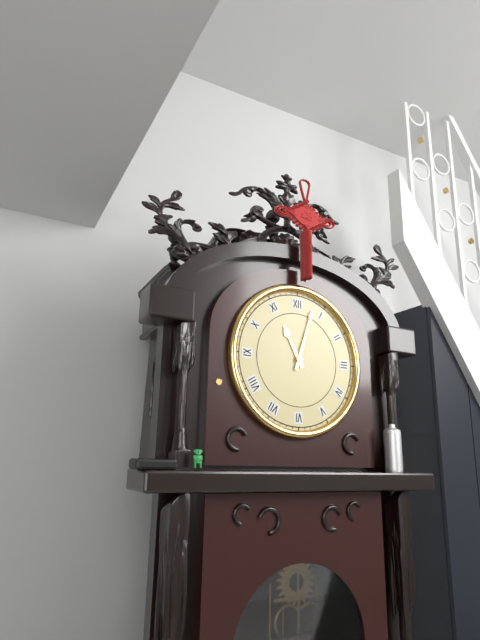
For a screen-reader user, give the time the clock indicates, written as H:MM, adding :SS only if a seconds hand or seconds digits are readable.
11:03
